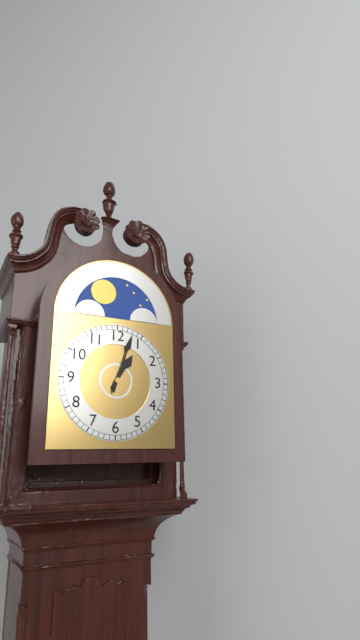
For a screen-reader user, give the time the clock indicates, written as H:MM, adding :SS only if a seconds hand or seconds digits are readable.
1:03
